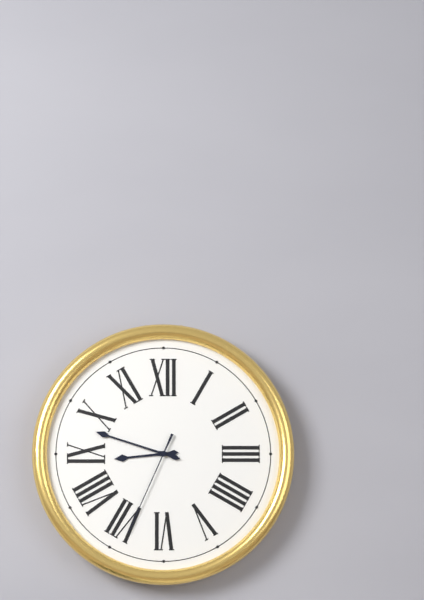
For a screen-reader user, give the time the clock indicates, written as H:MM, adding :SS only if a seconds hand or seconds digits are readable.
8:48:34
